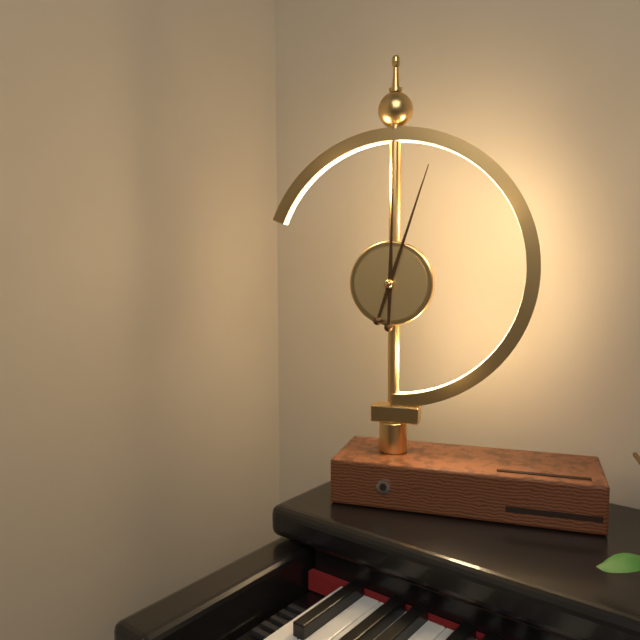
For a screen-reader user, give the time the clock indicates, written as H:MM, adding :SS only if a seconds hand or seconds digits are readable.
12:03
